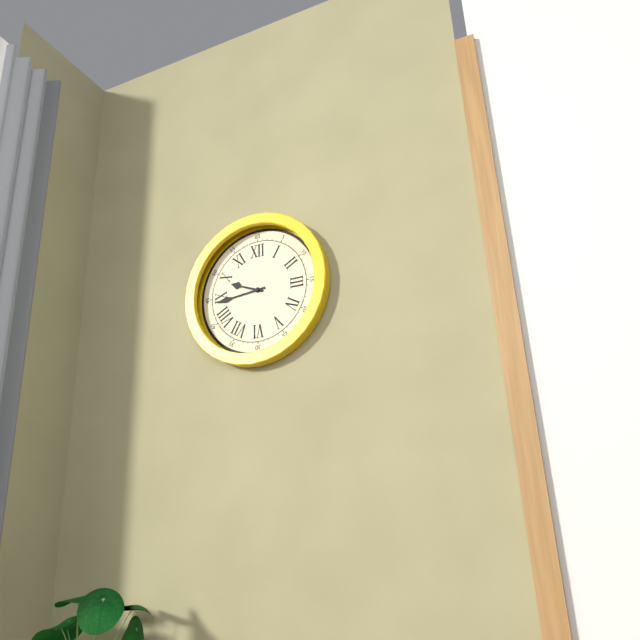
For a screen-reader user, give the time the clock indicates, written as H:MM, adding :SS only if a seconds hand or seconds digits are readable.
9:44
